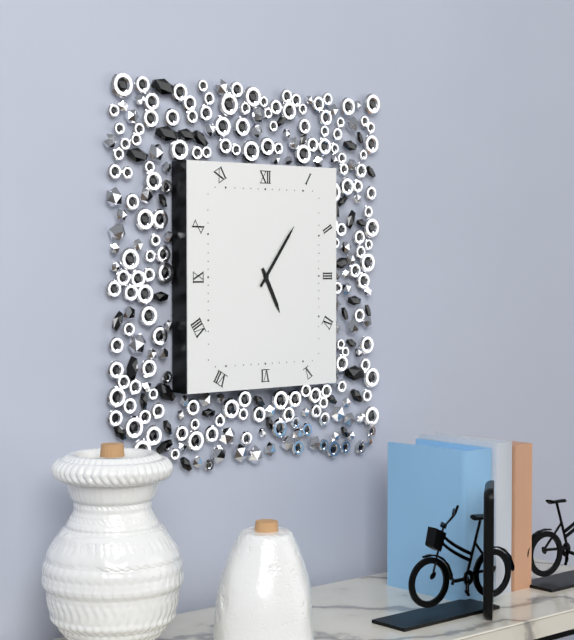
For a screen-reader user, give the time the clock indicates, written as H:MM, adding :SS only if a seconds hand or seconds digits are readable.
5:06
